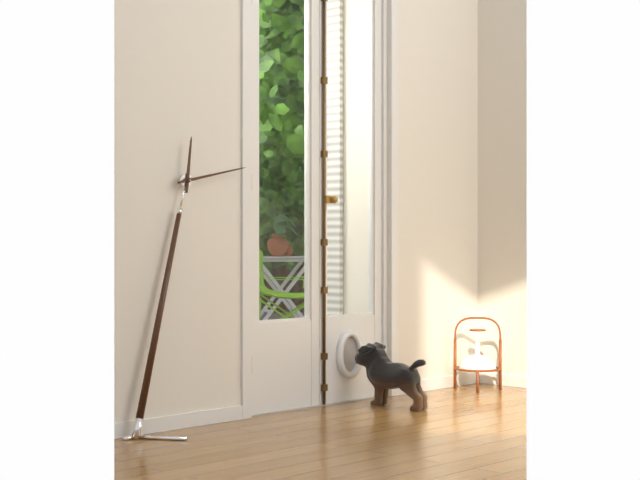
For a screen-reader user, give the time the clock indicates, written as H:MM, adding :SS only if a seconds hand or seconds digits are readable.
12:13
